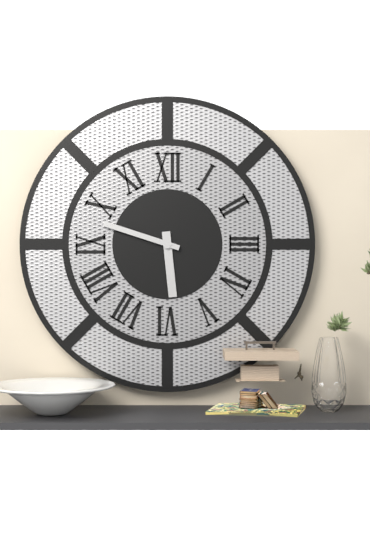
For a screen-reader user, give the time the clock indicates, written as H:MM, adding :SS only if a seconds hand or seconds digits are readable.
5:48
